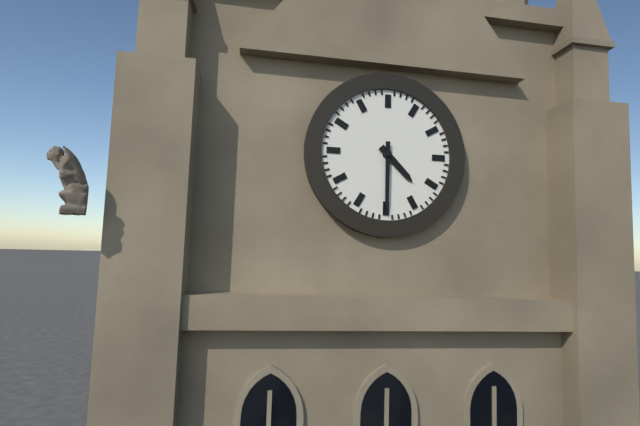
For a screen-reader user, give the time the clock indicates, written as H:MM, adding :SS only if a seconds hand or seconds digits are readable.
4:30
